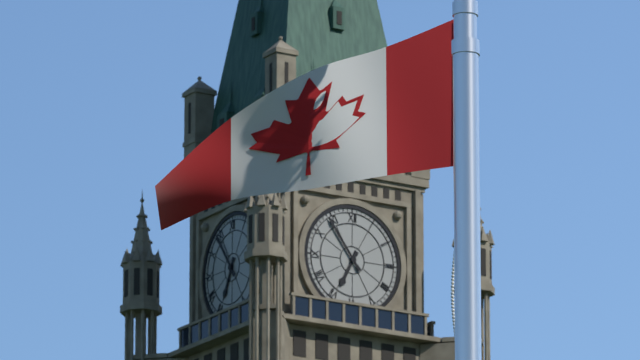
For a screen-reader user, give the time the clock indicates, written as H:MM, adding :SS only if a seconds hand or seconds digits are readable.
6:54
